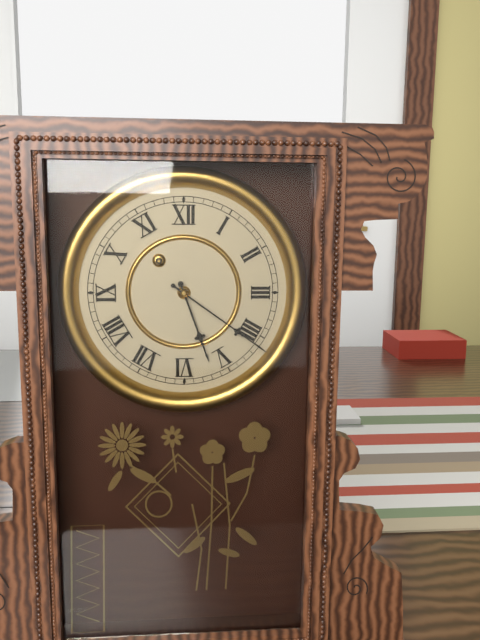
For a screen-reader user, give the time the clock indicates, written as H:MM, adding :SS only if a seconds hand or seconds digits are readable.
5:21
